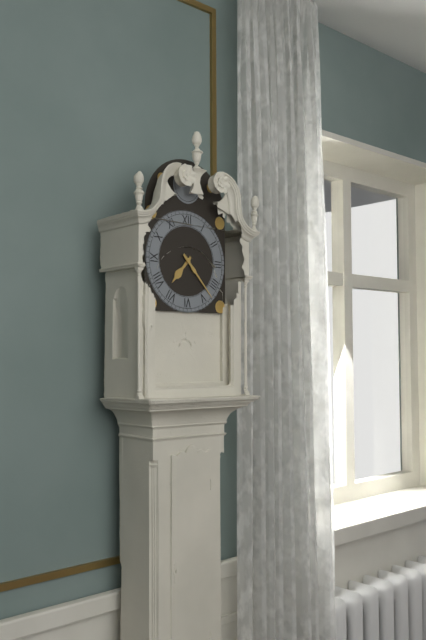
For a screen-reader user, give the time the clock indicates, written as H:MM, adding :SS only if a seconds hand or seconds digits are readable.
7:23
